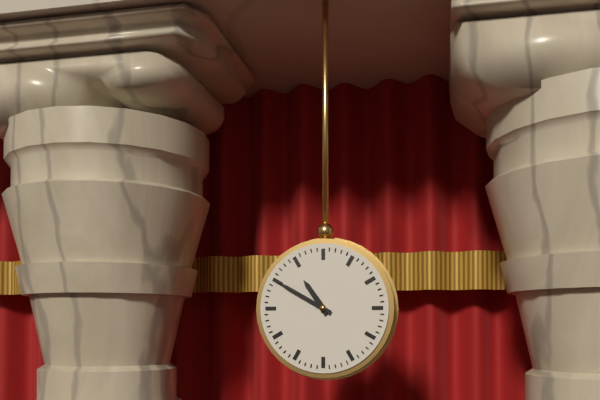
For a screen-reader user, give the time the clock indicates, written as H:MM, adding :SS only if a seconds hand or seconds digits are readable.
10:50
